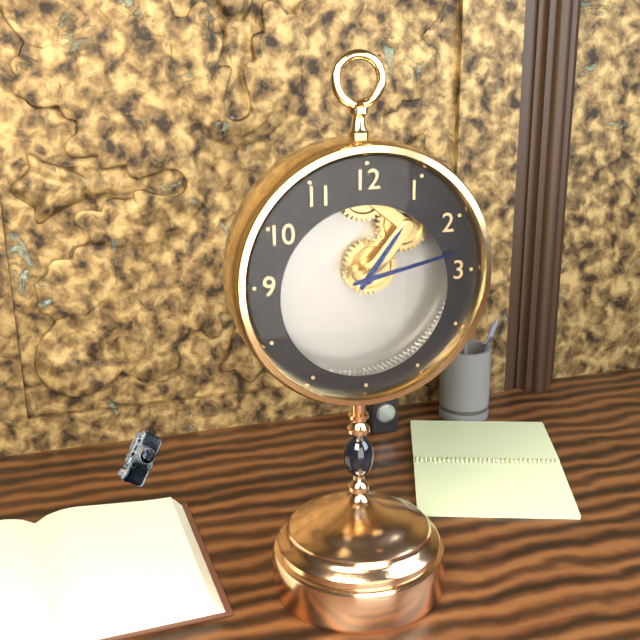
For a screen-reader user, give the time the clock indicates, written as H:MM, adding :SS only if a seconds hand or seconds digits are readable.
1:13
